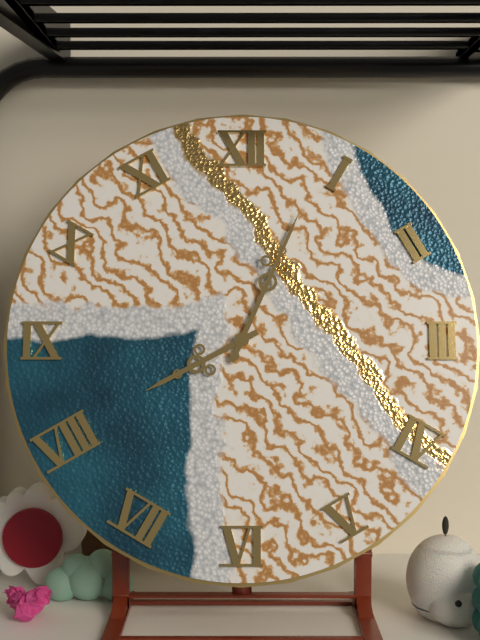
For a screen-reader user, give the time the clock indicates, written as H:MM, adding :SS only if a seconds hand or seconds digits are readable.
8:04
